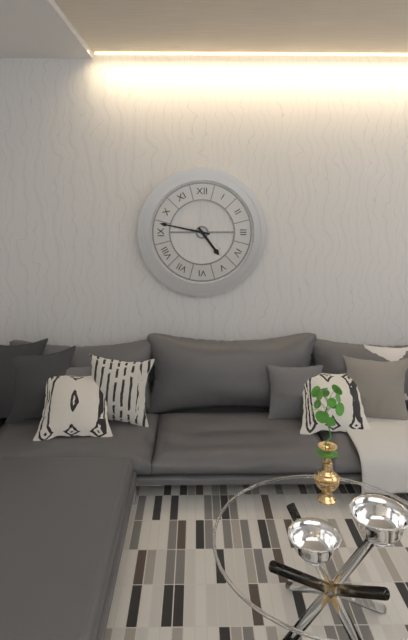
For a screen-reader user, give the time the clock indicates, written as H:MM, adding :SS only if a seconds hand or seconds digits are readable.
4:47
